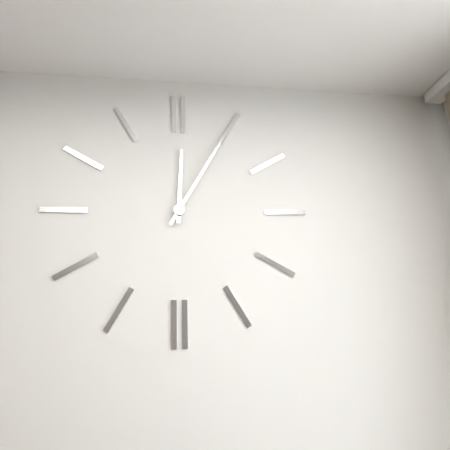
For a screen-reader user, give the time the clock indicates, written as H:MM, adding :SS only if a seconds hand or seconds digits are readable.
12:05
